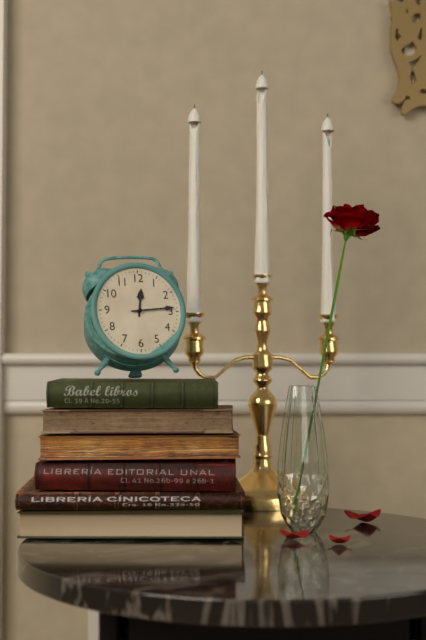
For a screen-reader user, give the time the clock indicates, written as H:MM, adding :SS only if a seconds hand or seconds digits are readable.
12:14
